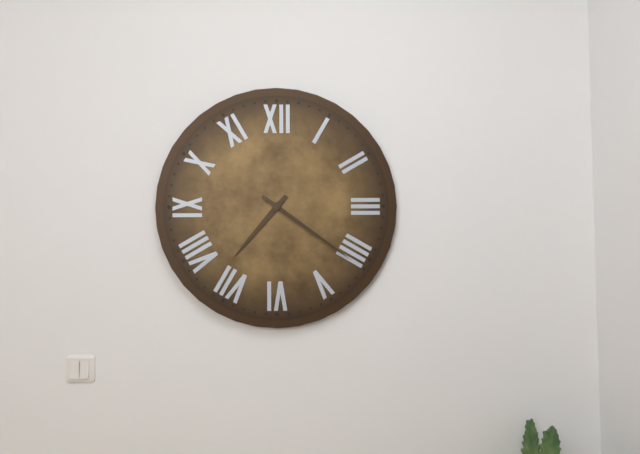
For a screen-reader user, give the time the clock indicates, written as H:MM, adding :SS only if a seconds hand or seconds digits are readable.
7:21
